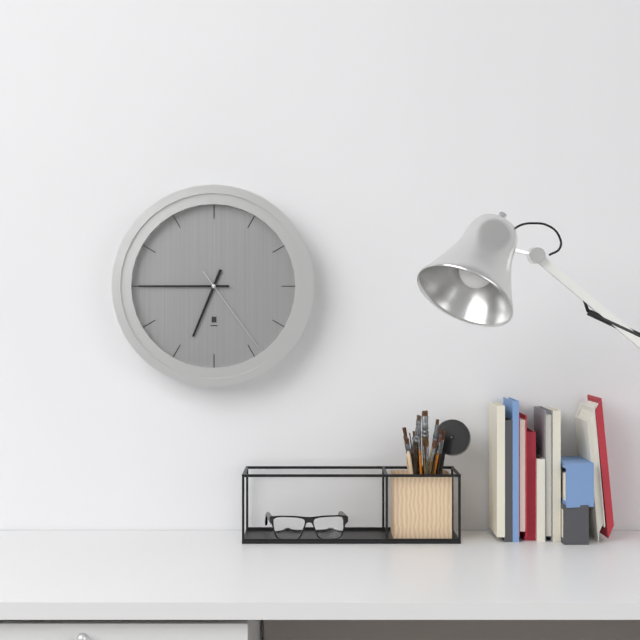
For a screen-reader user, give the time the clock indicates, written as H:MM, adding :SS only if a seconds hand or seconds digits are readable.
6:45:24
